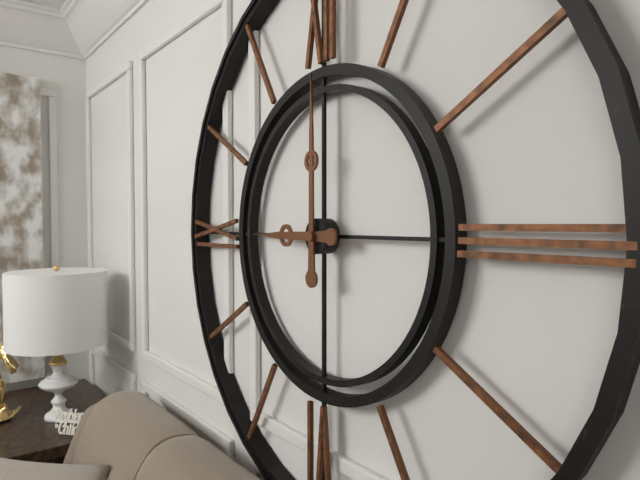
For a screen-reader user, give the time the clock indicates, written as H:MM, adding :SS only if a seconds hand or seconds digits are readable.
9:00
